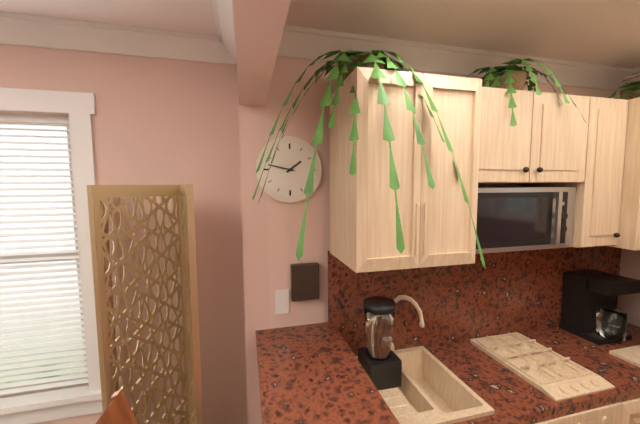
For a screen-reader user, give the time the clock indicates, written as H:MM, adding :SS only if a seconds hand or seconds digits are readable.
1:47
